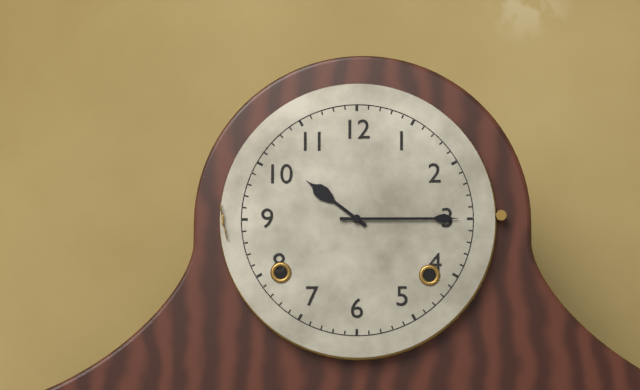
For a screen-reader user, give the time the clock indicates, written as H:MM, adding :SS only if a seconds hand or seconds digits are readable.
10:15
